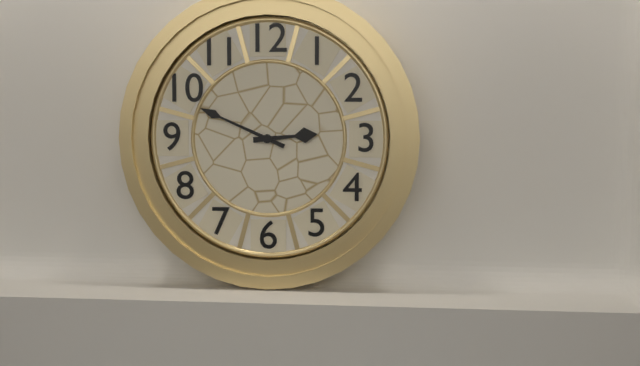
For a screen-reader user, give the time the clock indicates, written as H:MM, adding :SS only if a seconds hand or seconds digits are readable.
2:49
